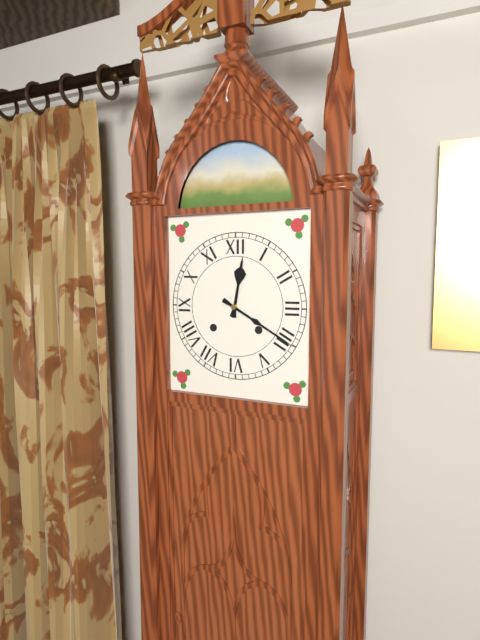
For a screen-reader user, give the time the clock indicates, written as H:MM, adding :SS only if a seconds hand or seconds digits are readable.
12:20
